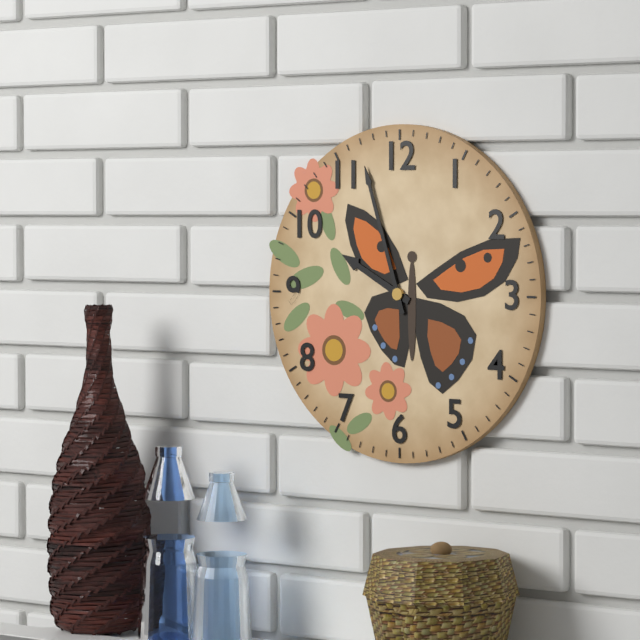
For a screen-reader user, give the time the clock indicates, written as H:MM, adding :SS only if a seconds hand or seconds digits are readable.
9:57
